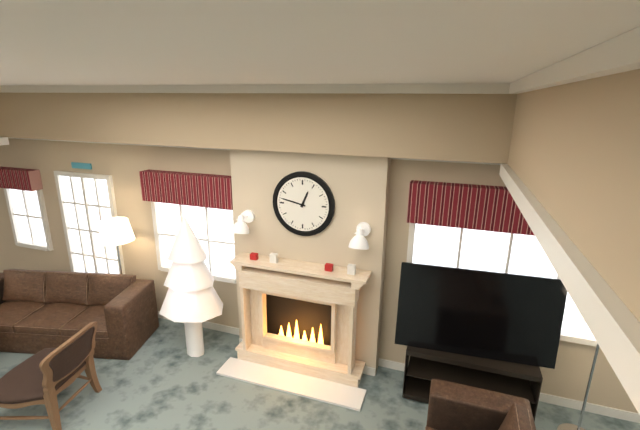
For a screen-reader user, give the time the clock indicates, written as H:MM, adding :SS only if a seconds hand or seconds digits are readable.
12:47
